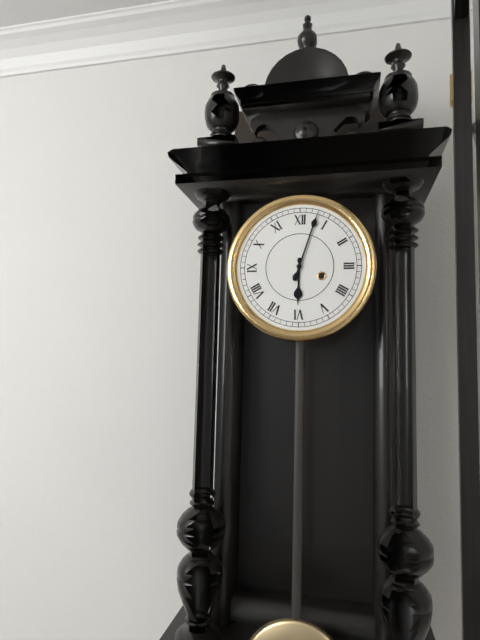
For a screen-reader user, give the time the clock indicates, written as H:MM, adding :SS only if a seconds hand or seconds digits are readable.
6:03
